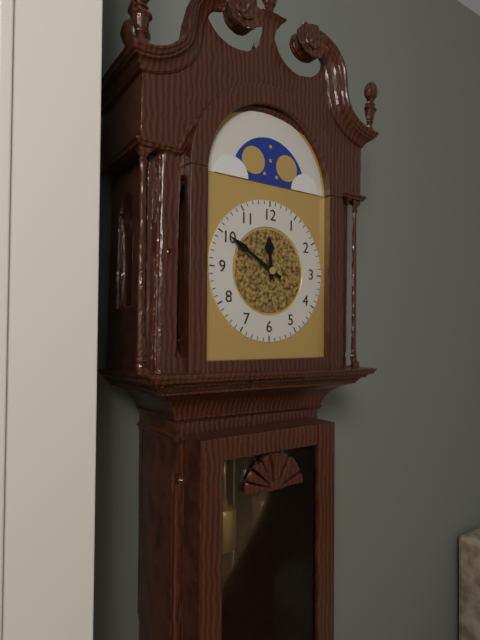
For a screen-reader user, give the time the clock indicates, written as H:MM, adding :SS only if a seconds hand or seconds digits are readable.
11:50
